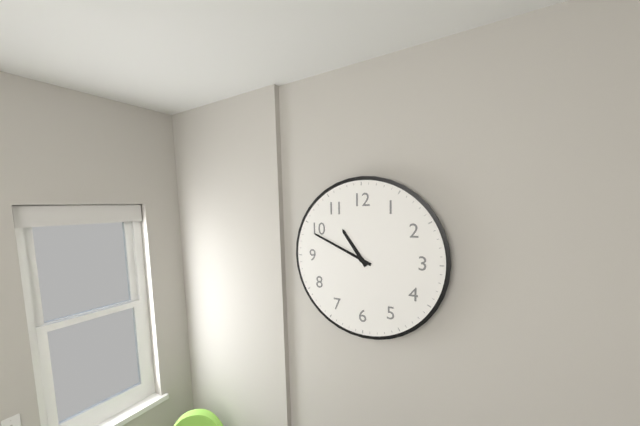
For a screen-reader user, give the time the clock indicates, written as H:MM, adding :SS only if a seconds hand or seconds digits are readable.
10:49
